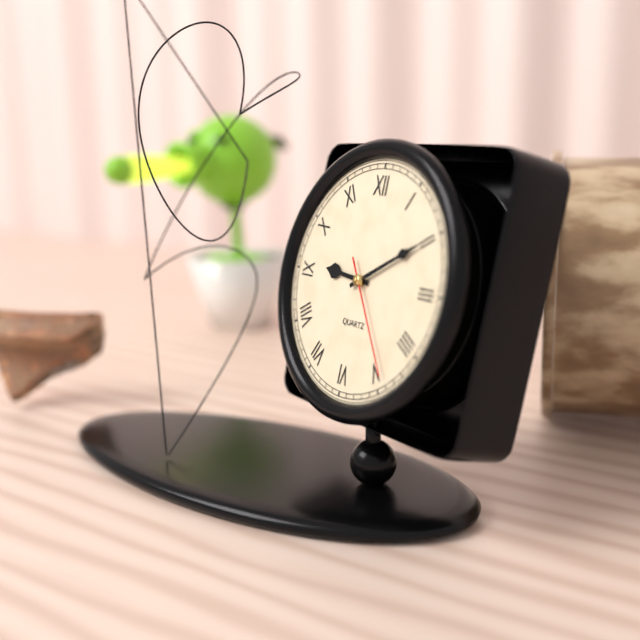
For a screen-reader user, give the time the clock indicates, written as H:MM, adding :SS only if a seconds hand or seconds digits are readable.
9:10:24
